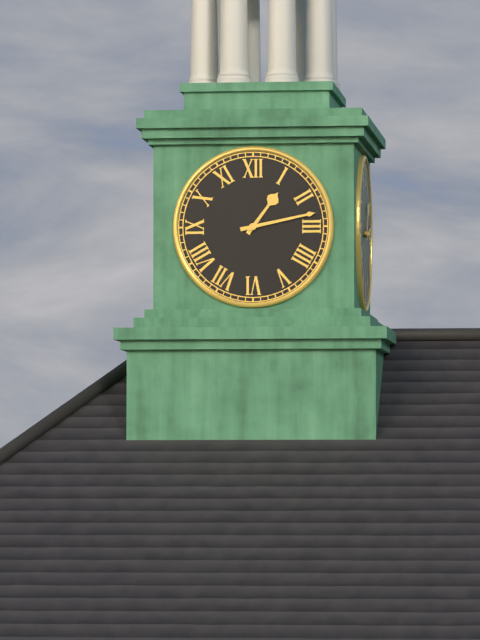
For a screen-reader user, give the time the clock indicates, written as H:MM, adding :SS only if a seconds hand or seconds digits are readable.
1:13
